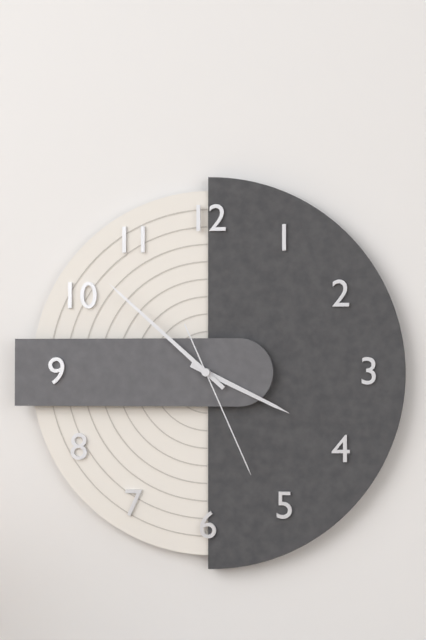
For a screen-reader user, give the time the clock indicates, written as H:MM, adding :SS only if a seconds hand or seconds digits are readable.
3:52:26
